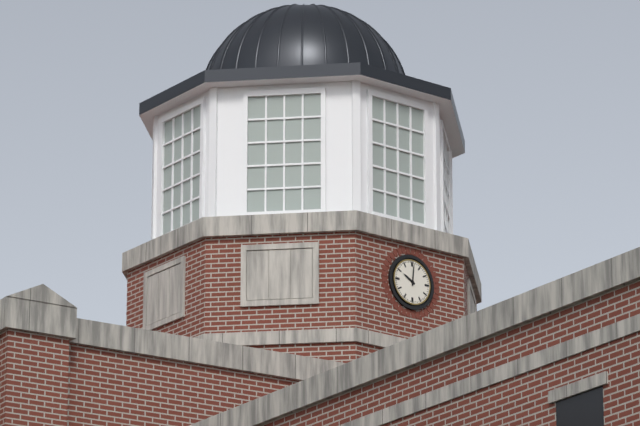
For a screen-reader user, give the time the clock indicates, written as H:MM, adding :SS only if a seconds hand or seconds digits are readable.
10:01
